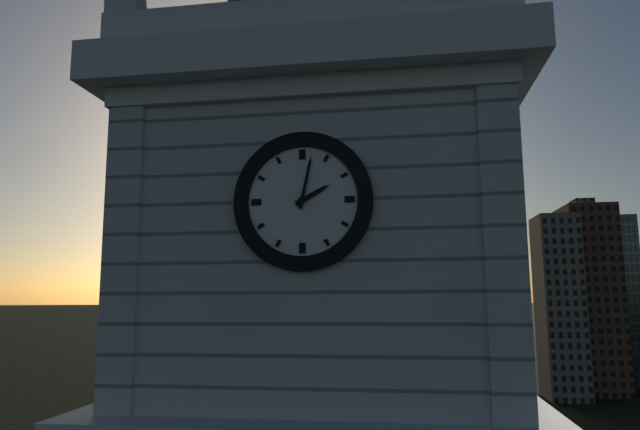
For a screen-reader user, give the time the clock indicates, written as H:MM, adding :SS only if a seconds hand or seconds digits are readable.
2:02
